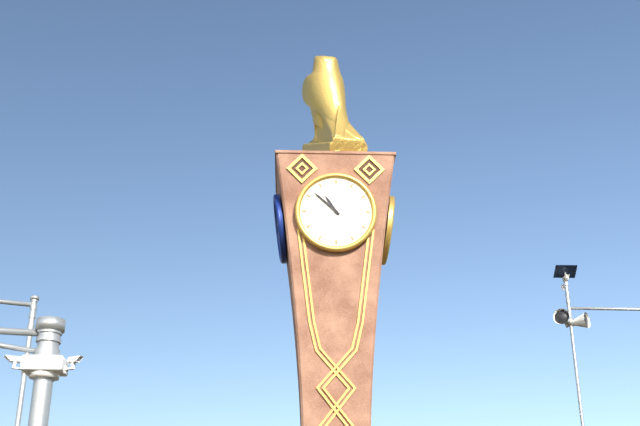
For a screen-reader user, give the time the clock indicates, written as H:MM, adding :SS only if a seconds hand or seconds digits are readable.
10:52
